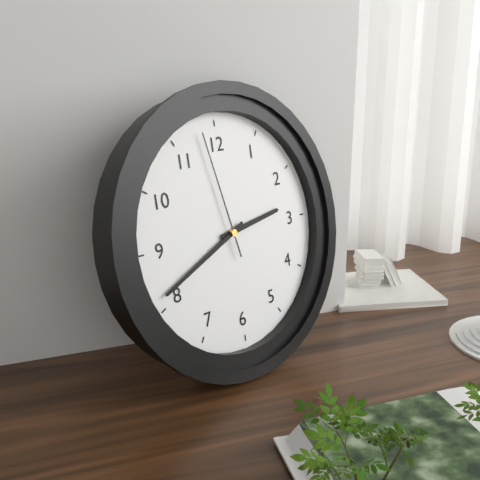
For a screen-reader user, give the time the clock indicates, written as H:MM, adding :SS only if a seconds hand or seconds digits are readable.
2:41:58
